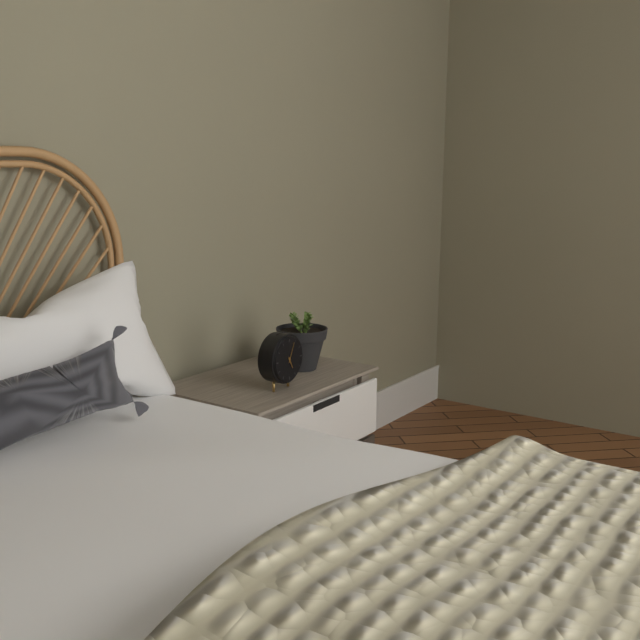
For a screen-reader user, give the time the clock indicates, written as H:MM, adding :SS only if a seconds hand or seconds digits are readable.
5:04
